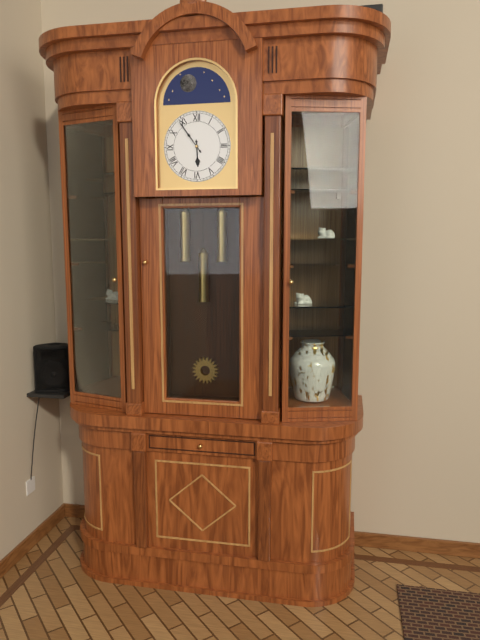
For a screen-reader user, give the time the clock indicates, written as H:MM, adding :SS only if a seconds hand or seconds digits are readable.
5:54
